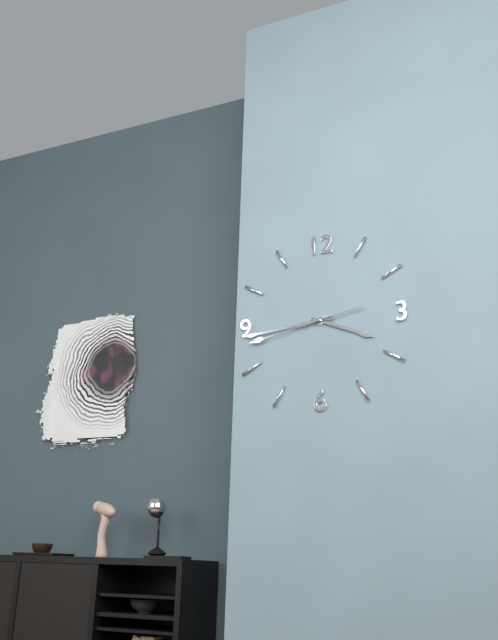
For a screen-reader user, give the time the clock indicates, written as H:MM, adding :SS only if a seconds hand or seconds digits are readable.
3:44:43
